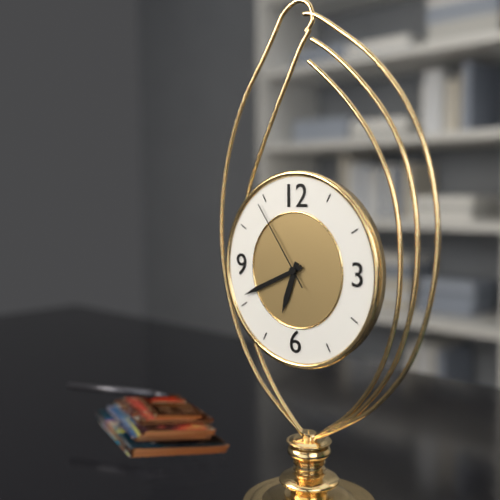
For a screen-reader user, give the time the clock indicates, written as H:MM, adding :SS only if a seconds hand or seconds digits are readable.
6:41:54
